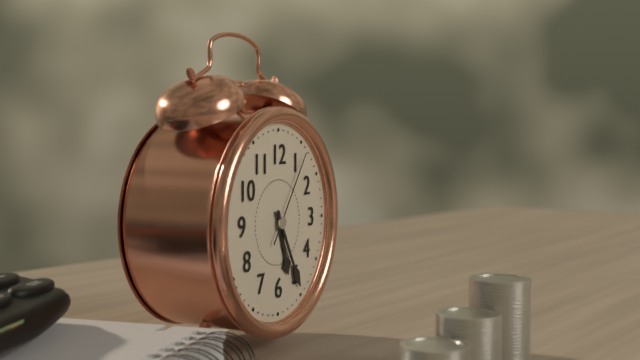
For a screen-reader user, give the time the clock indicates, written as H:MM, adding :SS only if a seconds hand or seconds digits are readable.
5:25:06
